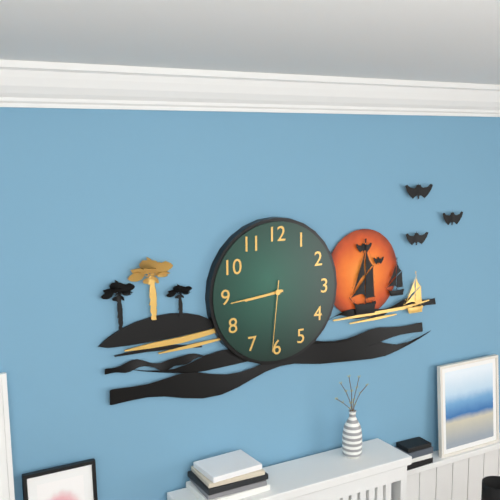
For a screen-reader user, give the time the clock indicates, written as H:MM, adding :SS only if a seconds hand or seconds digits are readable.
8:44:31
